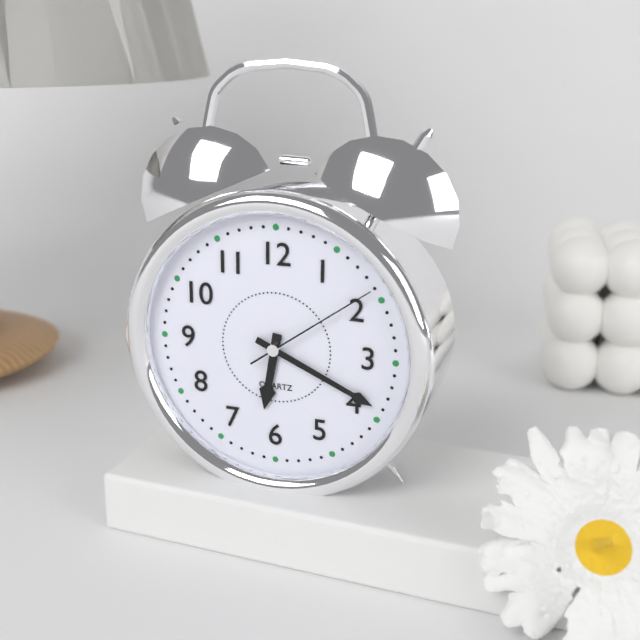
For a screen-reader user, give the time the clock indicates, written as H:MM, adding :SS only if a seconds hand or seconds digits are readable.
6:19:09
